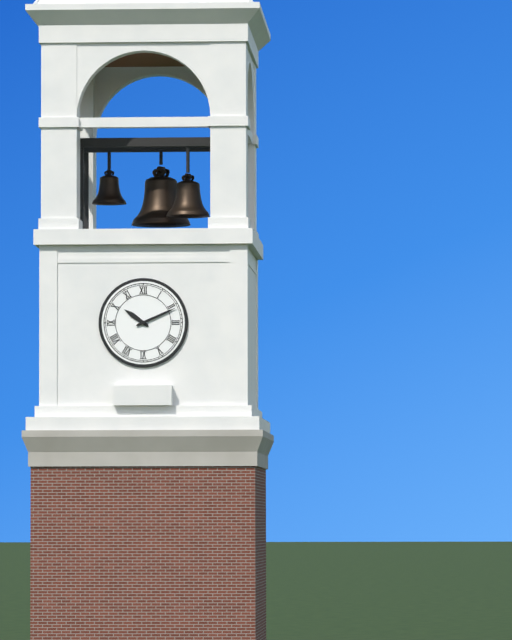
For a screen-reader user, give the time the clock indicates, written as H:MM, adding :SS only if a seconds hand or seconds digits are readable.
10:11
